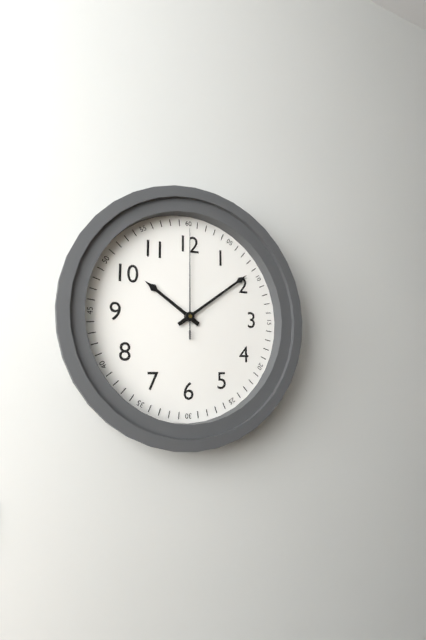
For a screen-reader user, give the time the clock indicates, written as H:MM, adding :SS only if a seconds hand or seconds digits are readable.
10:09:00
